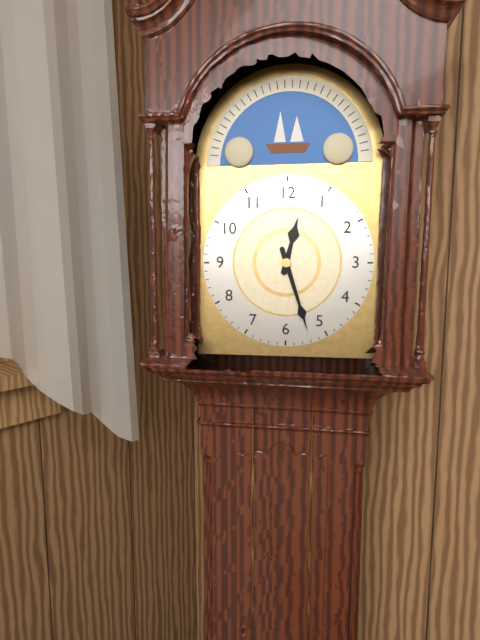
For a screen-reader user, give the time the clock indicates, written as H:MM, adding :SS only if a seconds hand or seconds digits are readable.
12:27
